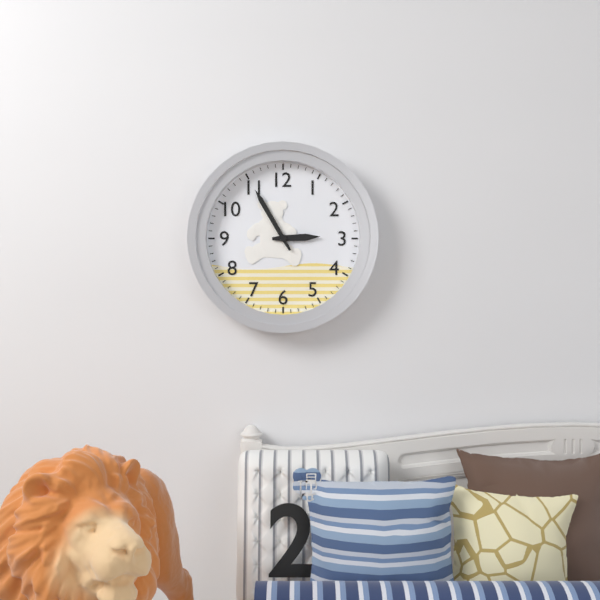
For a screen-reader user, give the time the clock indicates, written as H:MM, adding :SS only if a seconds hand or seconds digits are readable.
2:55
